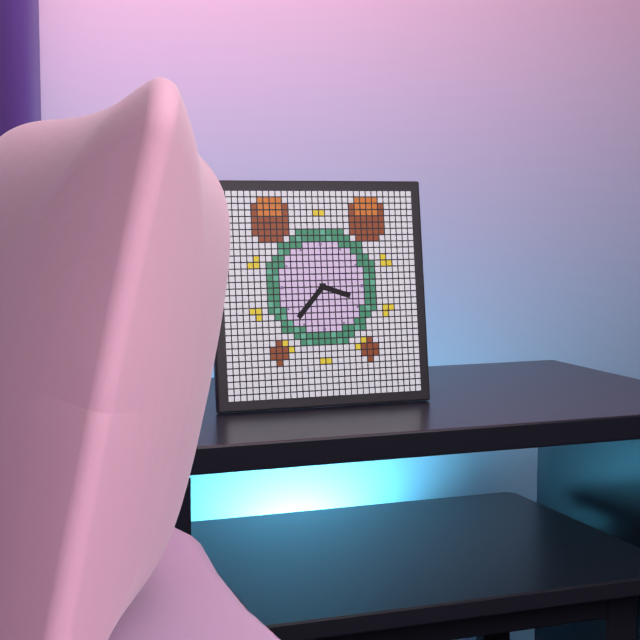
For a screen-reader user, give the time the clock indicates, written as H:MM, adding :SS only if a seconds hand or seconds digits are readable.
3:37
